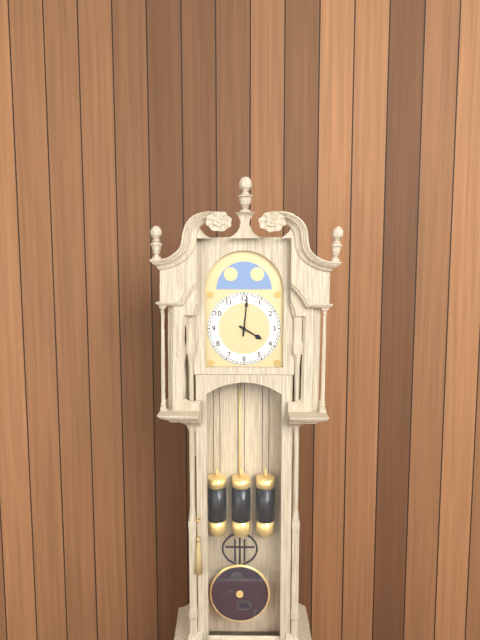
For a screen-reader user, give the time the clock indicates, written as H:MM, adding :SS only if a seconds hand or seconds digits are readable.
4:01
